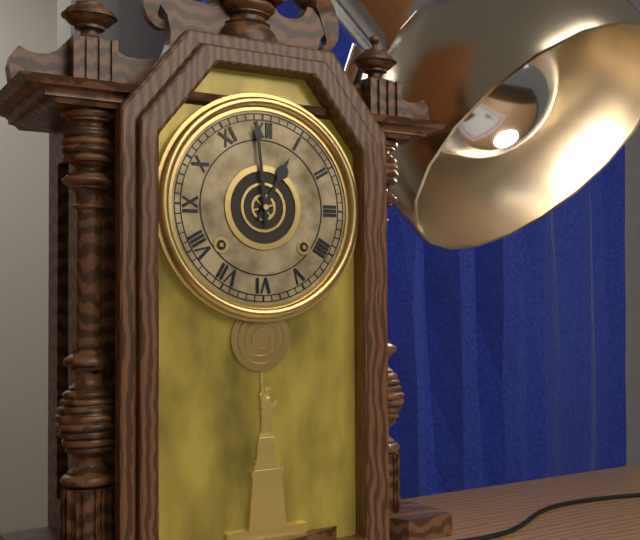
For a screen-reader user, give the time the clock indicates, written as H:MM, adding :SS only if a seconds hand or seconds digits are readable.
12:59
